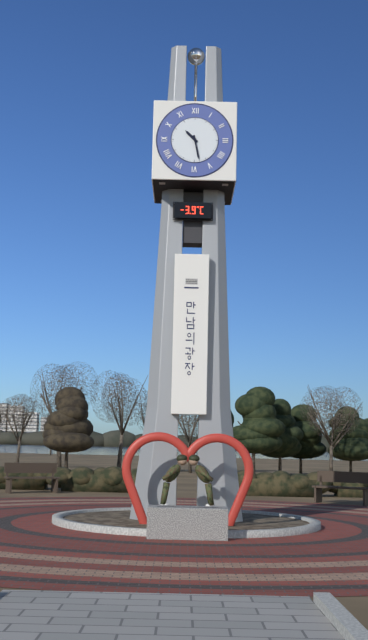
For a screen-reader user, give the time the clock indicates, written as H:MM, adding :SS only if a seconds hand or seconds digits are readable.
10:28
